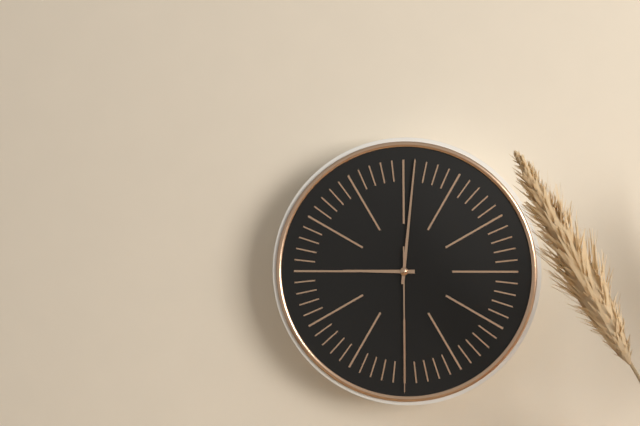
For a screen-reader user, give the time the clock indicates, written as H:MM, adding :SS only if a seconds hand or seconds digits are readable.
9:01:30
